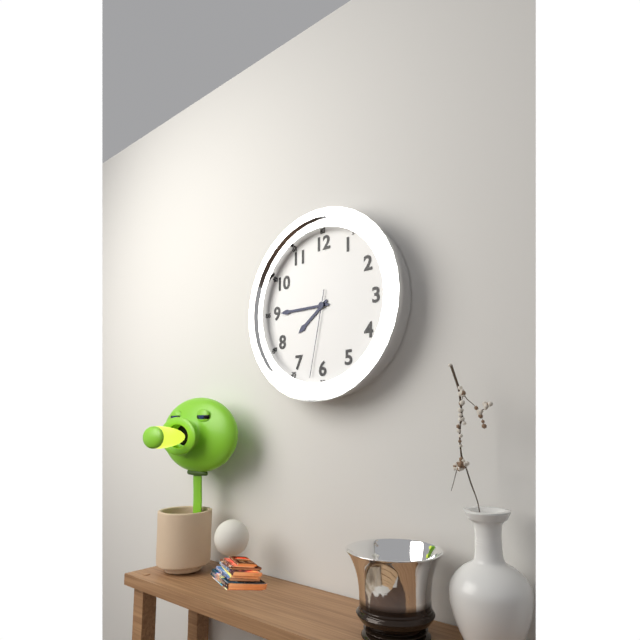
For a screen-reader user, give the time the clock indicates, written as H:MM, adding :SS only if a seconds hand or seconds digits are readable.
7:45:32
